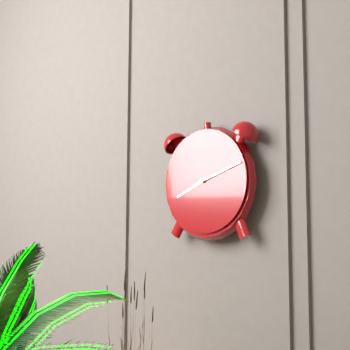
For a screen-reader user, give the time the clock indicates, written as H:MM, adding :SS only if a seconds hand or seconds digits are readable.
8:12
